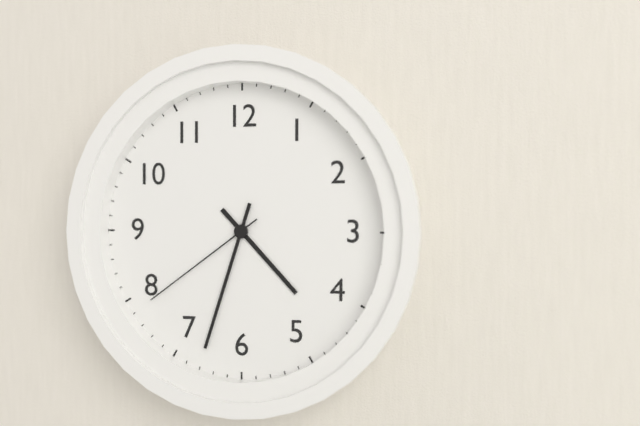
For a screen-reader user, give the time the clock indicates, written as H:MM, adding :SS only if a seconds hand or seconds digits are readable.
4:33:39
